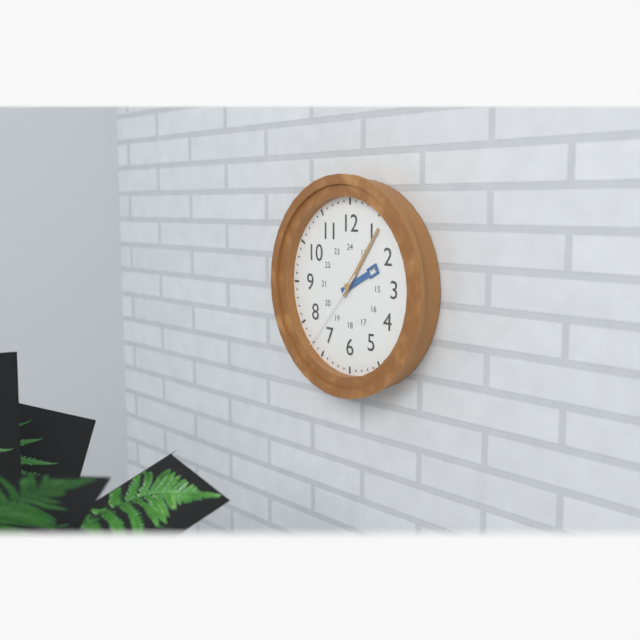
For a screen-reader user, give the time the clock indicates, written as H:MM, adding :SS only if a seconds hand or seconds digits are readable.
2:06:37
